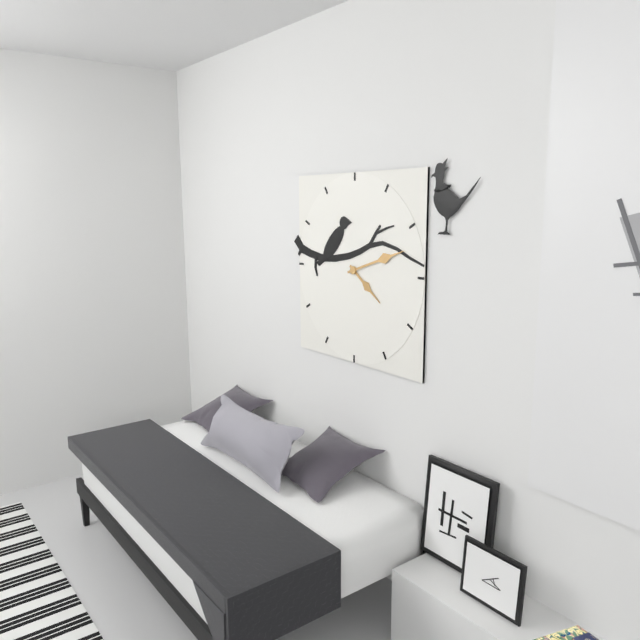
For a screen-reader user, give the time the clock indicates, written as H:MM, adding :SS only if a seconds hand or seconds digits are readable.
4:12
